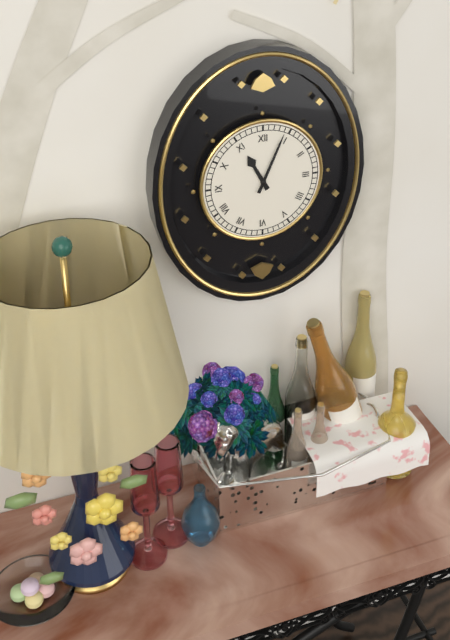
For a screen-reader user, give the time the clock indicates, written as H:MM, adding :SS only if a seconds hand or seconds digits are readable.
11:04
